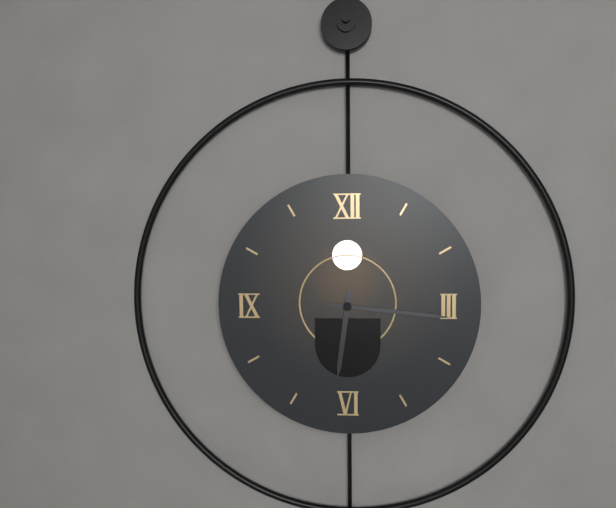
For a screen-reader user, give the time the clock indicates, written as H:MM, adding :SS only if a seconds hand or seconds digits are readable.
6:16
